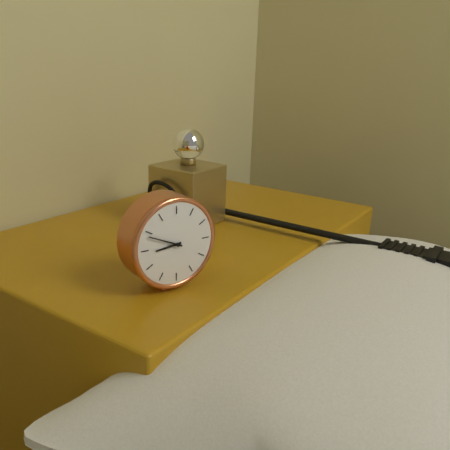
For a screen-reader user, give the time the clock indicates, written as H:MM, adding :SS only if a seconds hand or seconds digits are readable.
8:49
